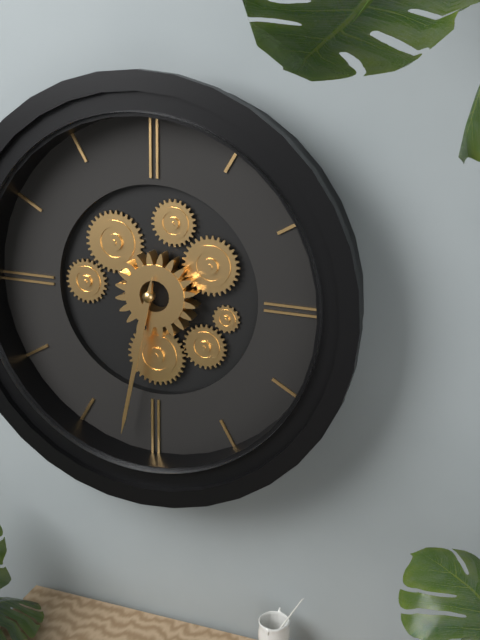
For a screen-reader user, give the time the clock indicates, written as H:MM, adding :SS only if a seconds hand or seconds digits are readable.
6:32
